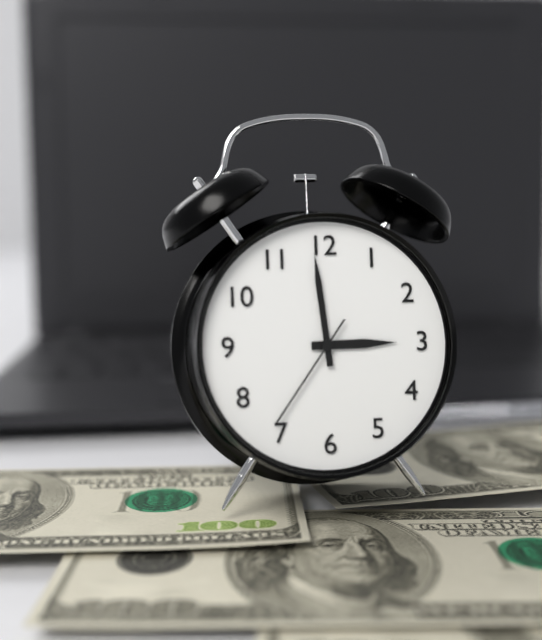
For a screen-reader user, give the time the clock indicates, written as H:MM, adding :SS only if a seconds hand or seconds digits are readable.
2:59:36
